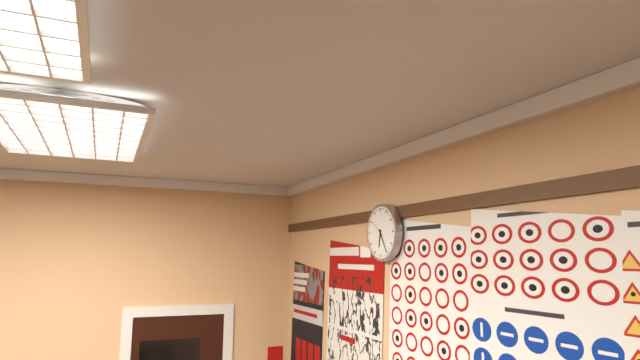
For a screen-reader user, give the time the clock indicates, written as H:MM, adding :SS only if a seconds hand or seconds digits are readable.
6:25
